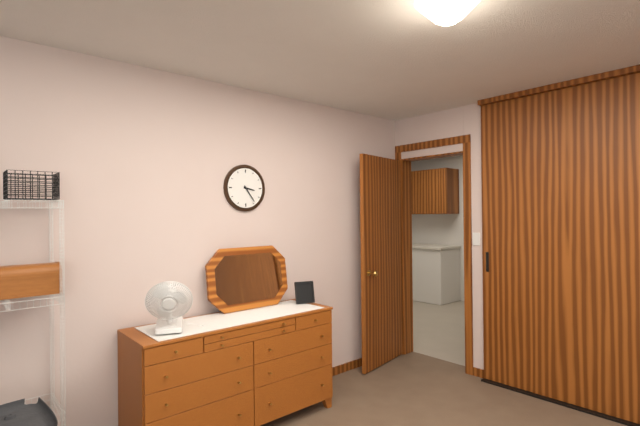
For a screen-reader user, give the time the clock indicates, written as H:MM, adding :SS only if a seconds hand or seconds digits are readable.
3:24
